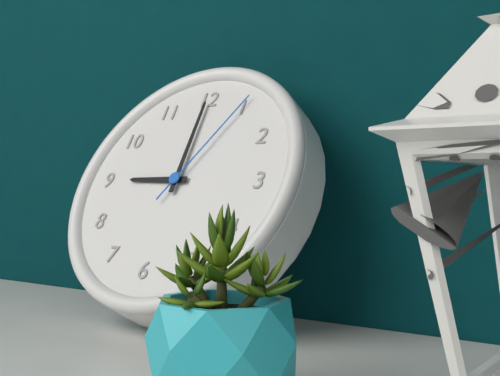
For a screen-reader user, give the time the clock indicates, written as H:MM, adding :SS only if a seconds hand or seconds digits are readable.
9:00:05
